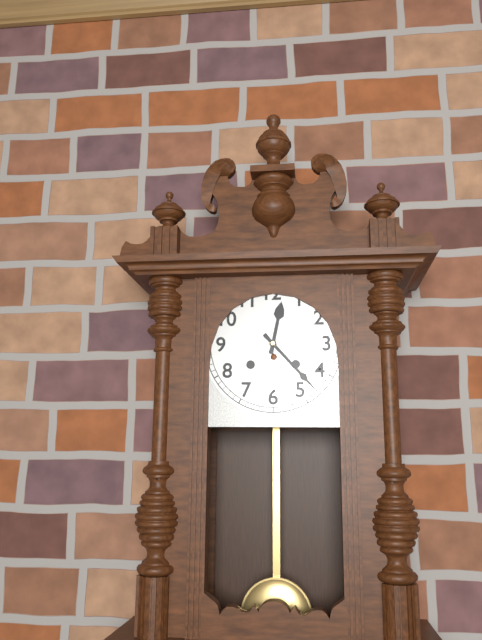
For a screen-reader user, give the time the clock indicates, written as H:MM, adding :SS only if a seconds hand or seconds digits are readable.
12:23
